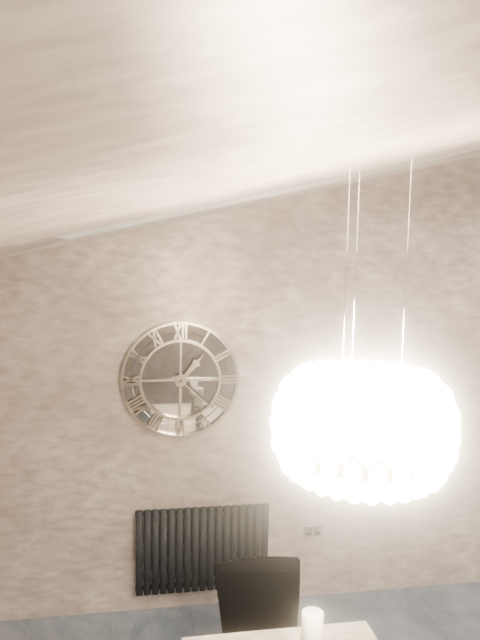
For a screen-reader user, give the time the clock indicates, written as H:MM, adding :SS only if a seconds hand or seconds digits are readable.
1:22
